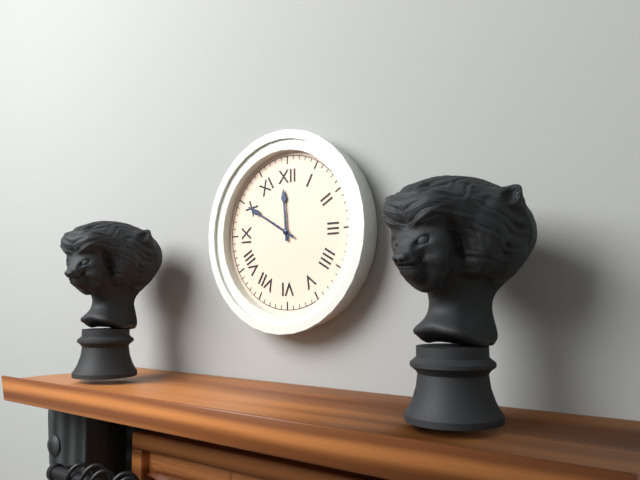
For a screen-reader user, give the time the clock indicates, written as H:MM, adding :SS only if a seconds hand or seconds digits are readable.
11:50
